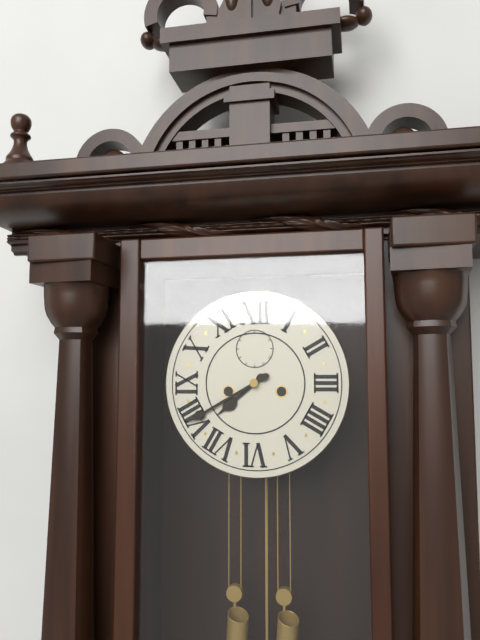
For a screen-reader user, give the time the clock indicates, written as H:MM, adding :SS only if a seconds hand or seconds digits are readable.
7:40
